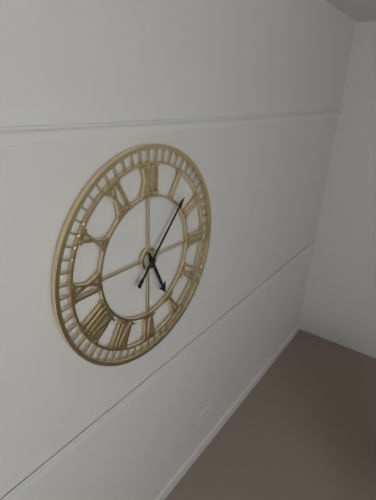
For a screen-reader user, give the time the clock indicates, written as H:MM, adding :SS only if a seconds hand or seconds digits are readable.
5:07
